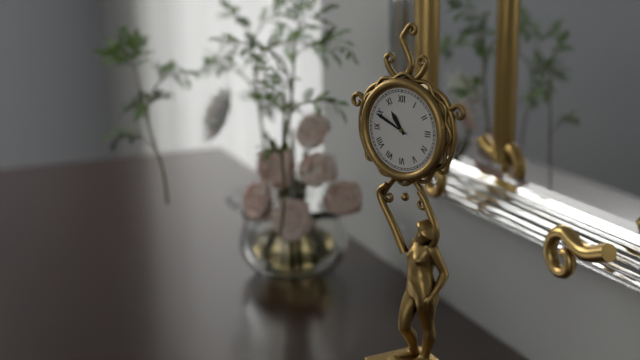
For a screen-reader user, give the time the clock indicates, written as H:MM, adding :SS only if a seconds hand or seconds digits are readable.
10:49
